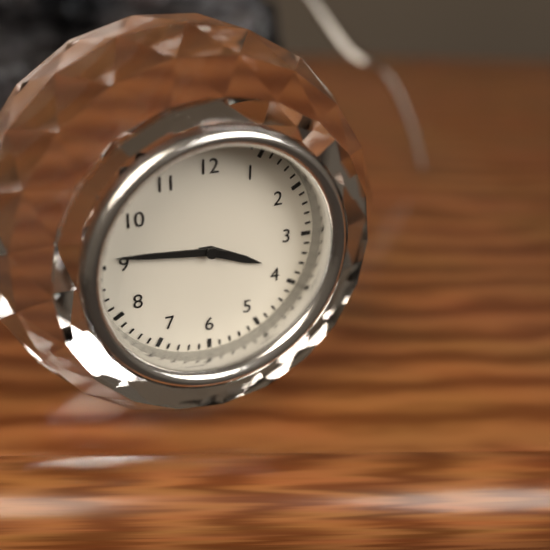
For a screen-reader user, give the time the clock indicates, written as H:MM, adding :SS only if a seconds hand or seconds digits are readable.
3:46
